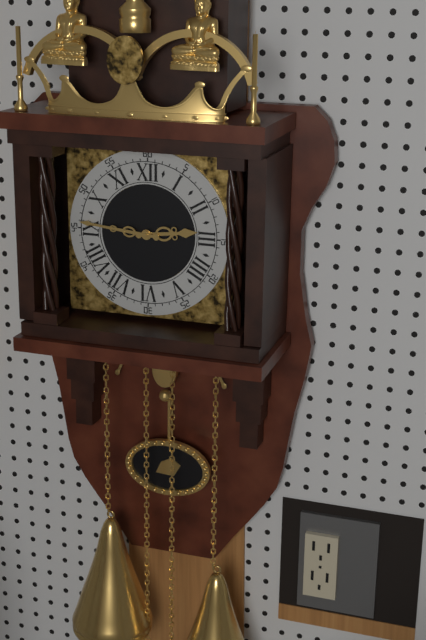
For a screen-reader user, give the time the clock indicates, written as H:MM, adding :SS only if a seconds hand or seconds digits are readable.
2:46
